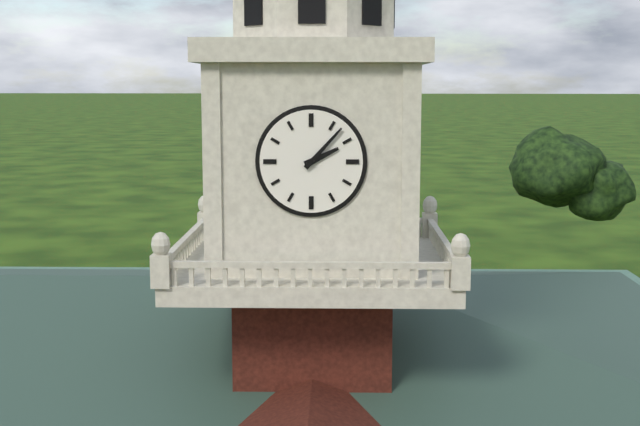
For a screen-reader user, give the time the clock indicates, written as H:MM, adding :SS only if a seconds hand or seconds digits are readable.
2:07
